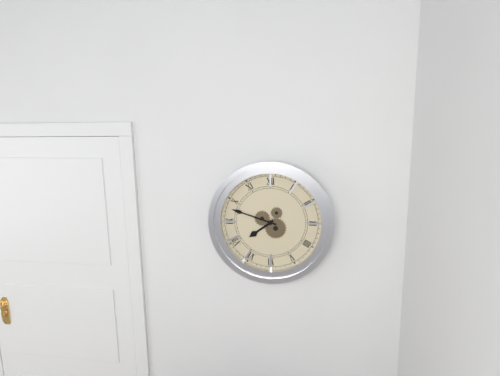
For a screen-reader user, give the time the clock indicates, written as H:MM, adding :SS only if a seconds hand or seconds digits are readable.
7:48
